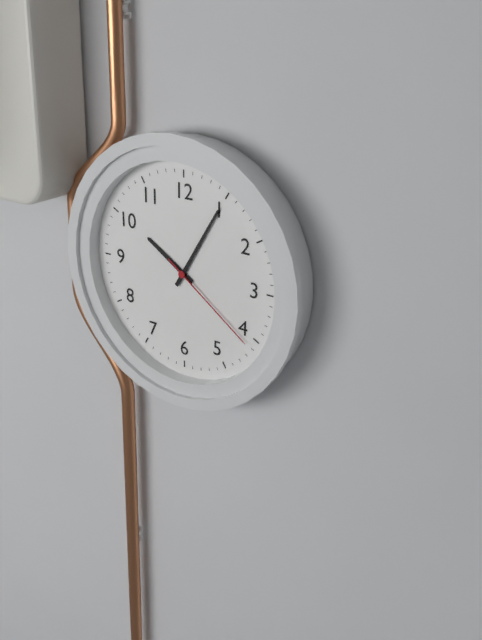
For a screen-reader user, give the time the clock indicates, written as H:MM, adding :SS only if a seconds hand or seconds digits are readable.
10:05:21
